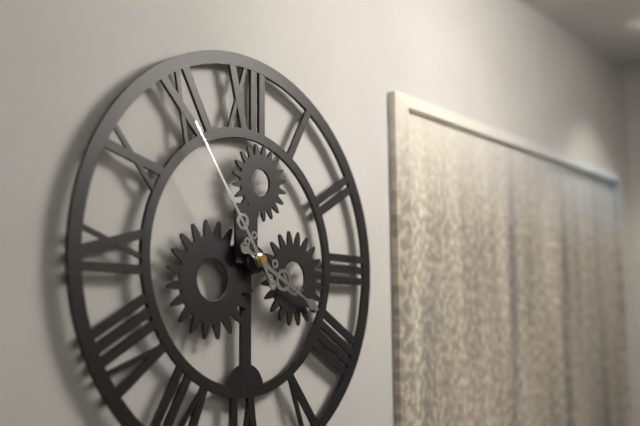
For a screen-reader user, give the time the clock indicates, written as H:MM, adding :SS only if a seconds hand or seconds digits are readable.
3:54
